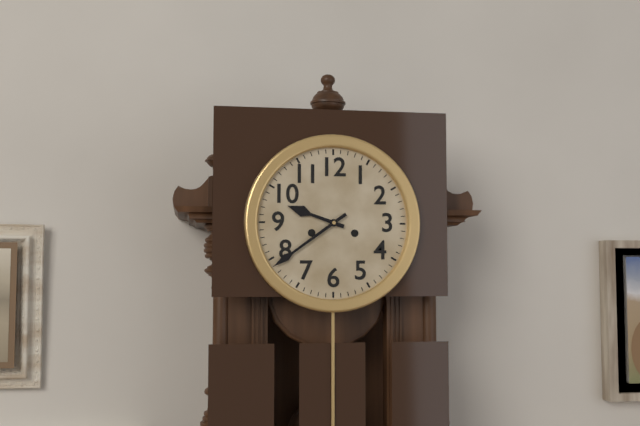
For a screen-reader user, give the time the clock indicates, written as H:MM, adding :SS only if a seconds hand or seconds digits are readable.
9:39
